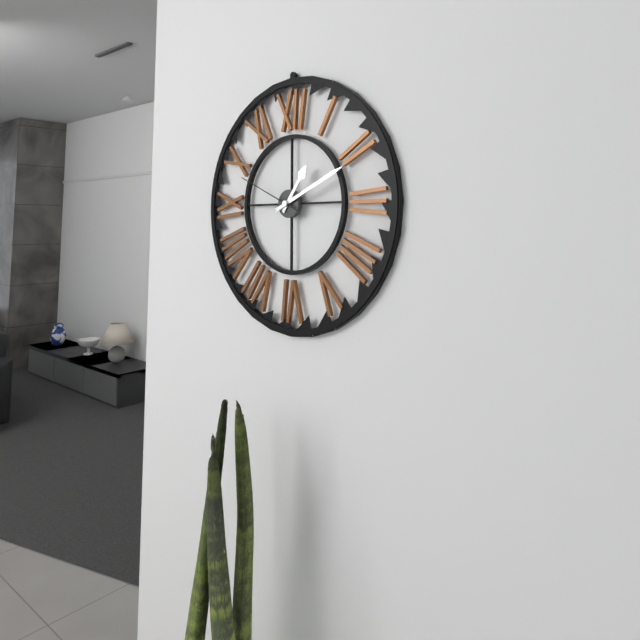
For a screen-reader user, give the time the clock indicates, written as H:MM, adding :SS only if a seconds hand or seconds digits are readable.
1:11:49
